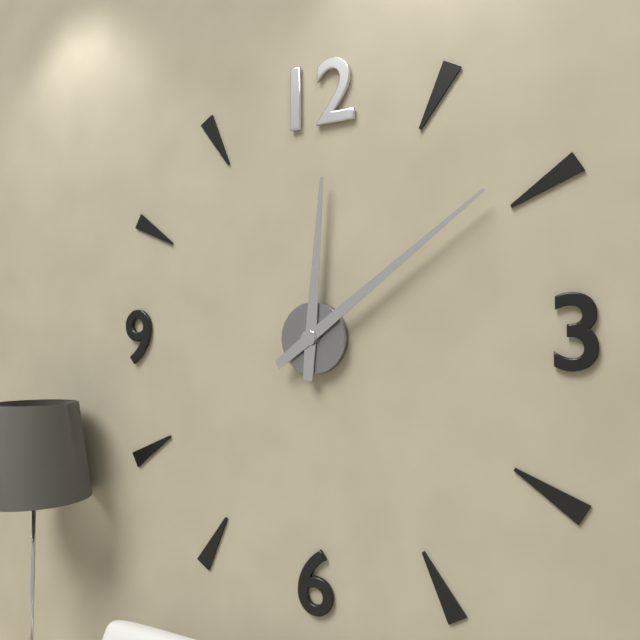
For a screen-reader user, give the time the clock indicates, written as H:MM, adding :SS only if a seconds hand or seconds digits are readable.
12:09
